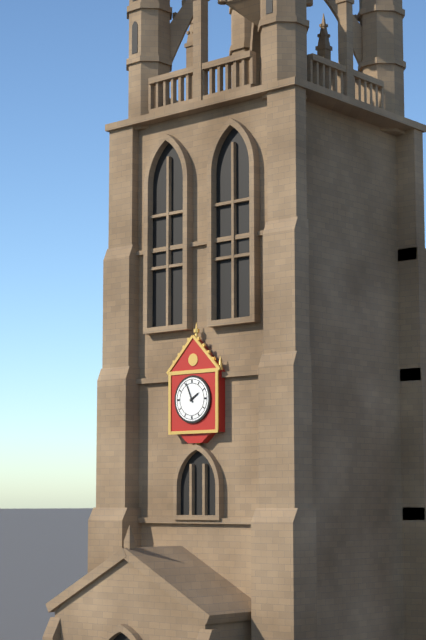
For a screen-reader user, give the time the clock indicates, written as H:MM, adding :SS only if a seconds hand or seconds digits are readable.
1:56
